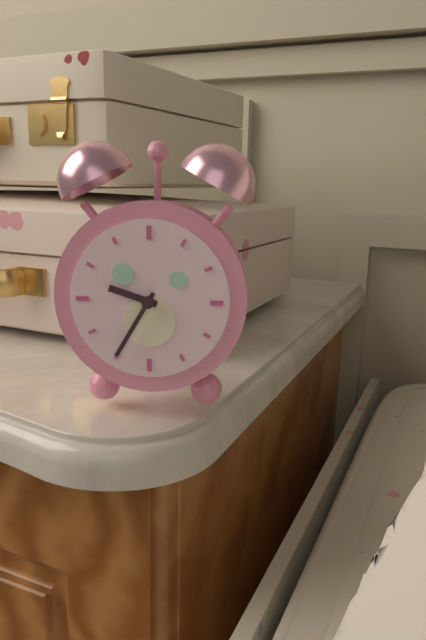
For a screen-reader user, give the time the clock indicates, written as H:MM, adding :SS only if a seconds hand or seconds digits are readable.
9:35
